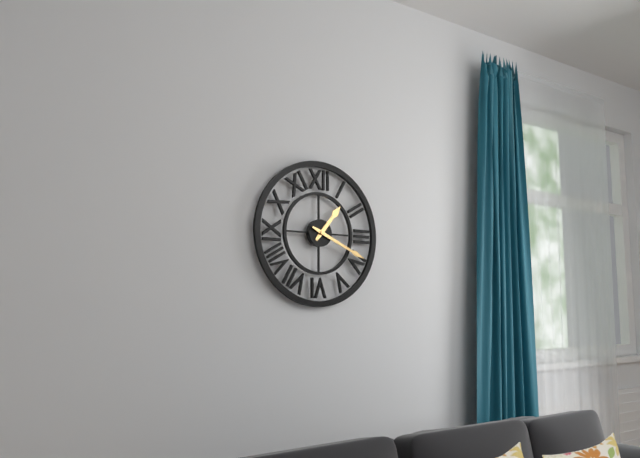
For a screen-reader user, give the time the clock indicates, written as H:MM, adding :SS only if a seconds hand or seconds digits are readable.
1:19
